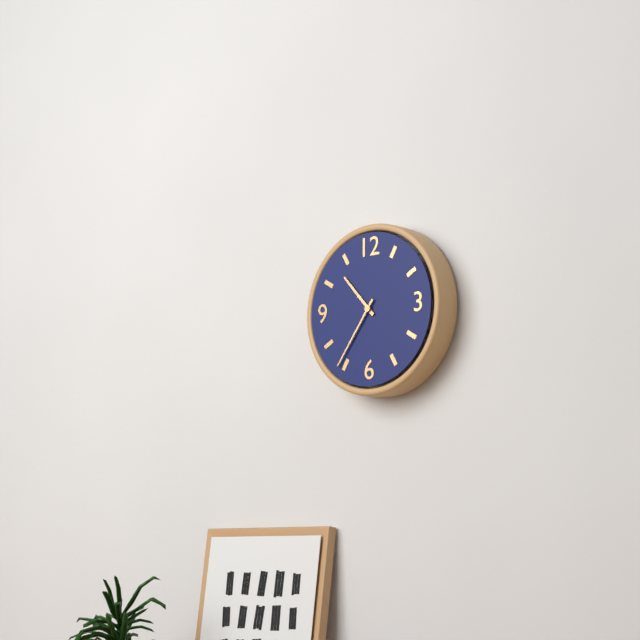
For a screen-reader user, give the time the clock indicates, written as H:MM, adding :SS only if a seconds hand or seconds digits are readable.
10:36
